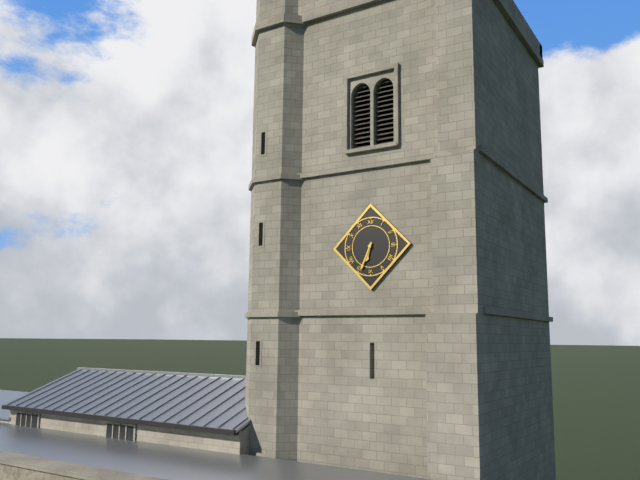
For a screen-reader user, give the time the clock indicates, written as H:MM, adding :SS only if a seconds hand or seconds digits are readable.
6:34
